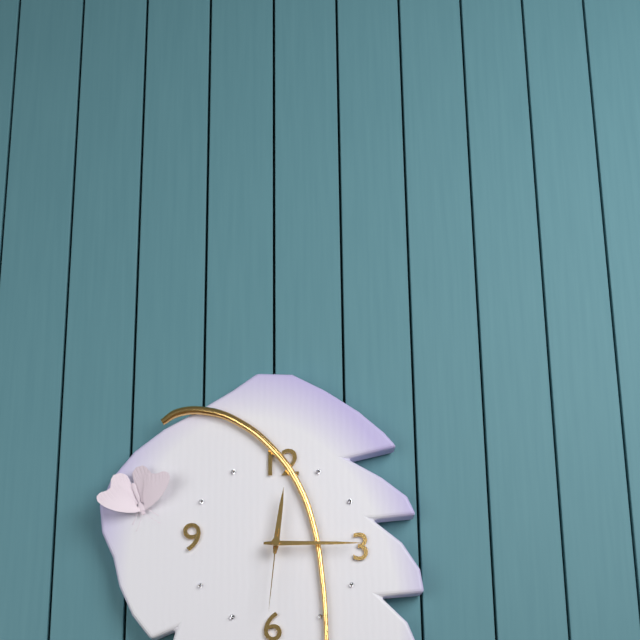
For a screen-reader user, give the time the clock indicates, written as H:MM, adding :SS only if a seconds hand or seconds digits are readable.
12:15:31
